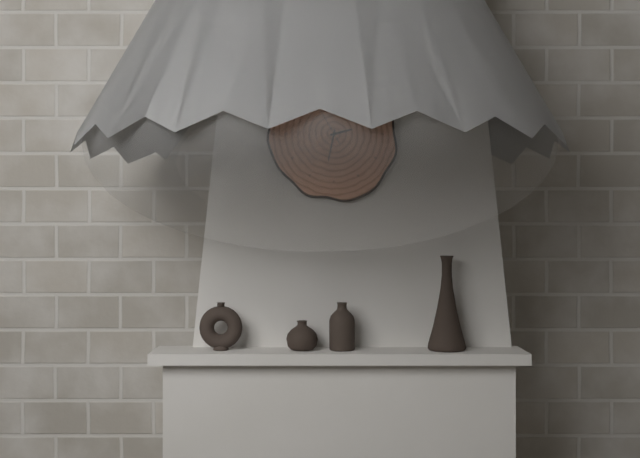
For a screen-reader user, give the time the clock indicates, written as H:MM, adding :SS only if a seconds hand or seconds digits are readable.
2:32
